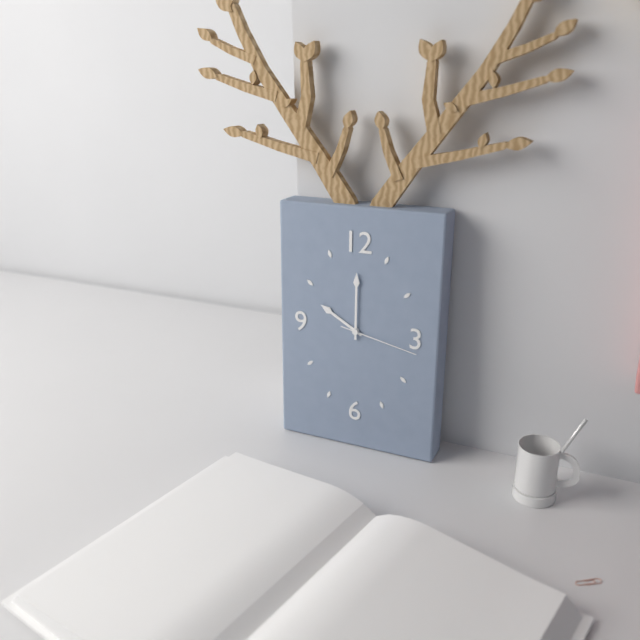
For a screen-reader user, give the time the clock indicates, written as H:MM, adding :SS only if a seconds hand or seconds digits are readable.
10:00:17
